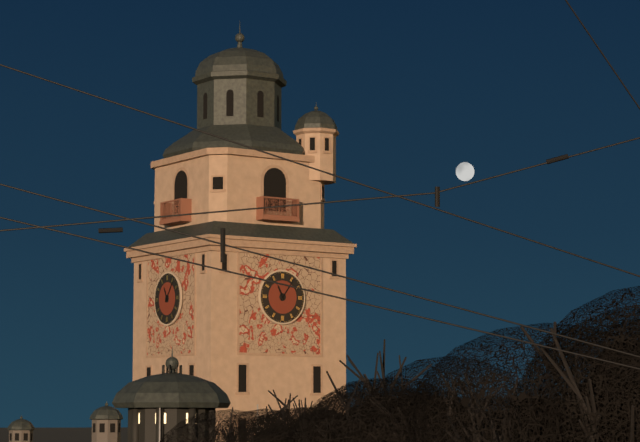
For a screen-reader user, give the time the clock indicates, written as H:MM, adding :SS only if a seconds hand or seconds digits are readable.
11:06
